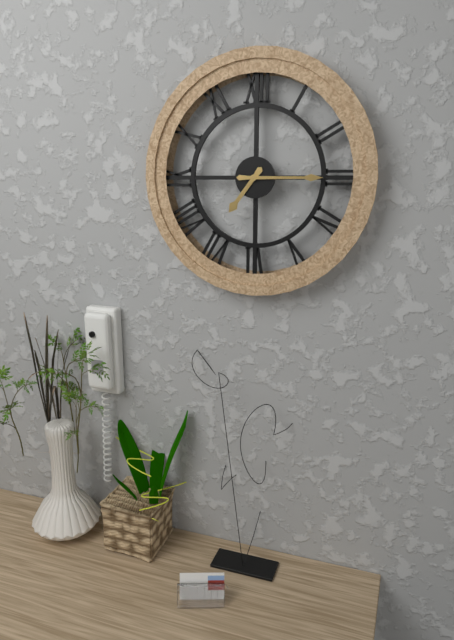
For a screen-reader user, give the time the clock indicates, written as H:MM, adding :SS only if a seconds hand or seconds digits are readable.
7:15
